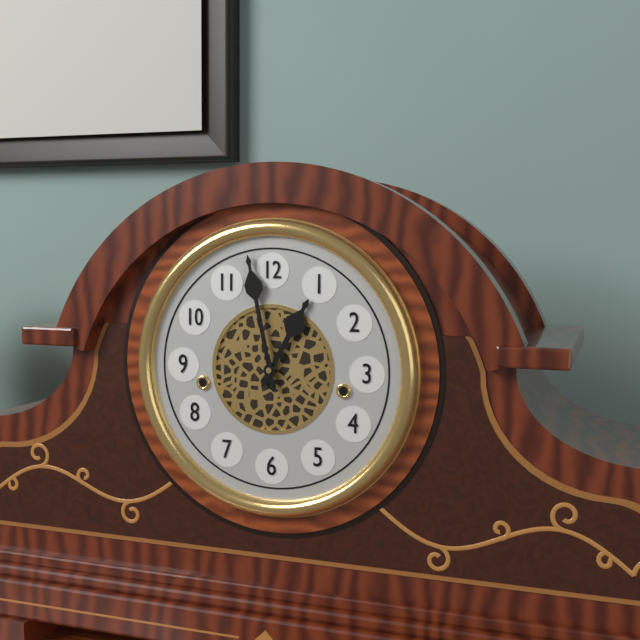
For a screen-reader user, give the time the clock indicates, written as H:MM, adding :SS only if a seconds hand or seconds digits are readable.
12:58
